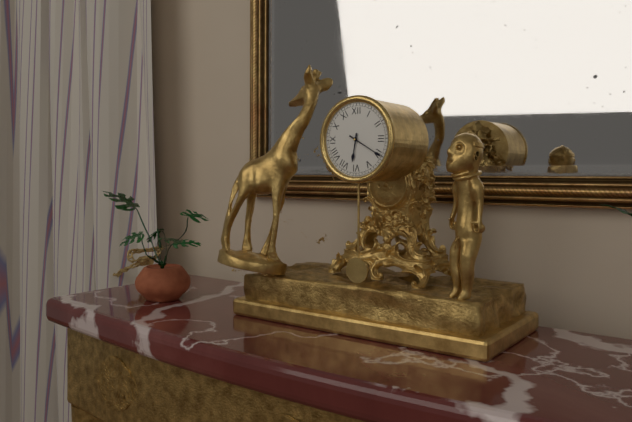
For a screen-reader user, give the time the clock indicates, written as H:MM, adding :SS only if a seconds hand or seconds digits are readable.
6:20
